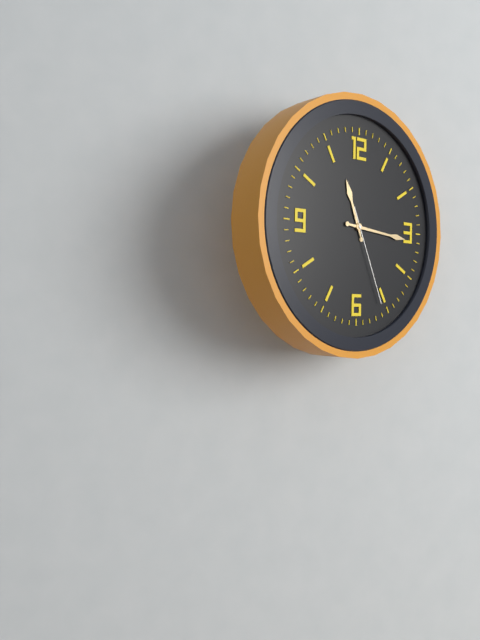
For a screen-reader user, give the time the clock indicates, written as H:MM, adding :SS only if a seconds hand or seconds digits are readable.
11:16:26
